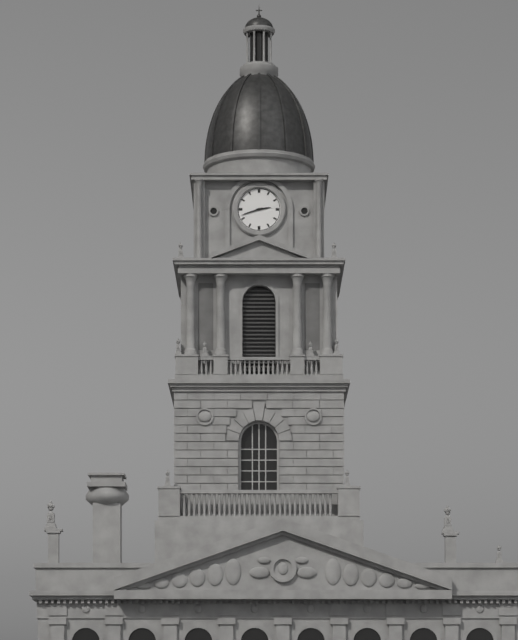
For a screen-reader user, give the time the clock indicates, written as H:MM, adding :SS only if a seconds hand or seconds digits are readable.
2:42
